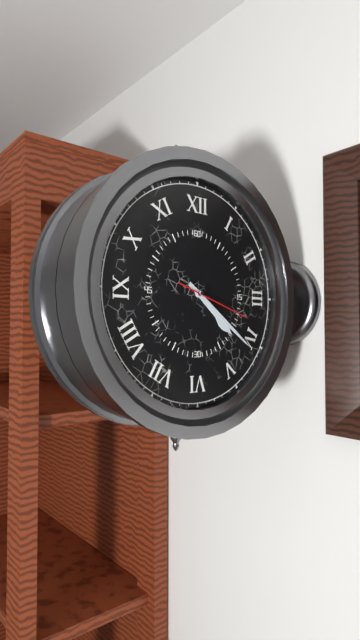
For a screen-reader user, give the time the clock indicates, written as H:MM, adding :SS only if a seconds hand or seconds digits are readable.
4:21:18
